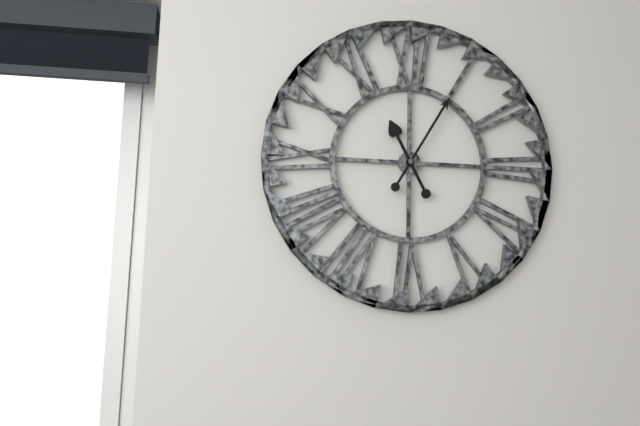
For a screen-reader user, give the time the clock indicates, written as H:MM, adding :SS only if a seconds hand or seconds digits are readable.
11:05
